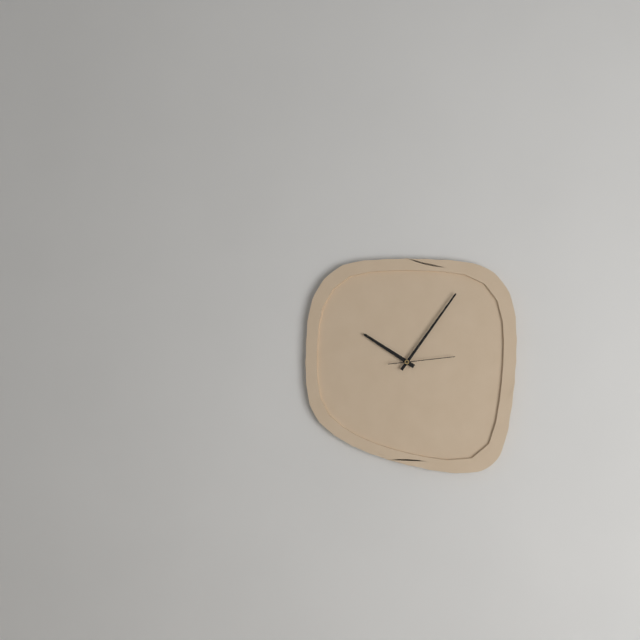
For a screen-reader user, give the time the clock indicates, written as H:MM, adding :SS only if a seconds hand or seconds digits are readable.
10:06:14
